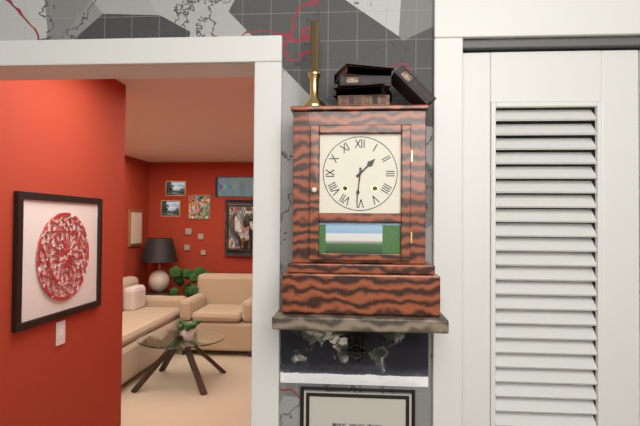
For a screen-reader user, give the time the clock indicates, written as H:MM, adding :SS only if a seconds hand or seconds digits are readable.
1:31
